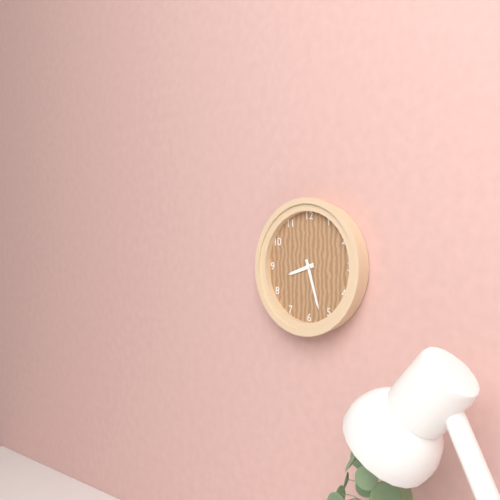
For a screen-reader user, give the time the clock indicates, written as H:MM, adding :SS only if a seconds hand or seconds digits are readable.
8:27
